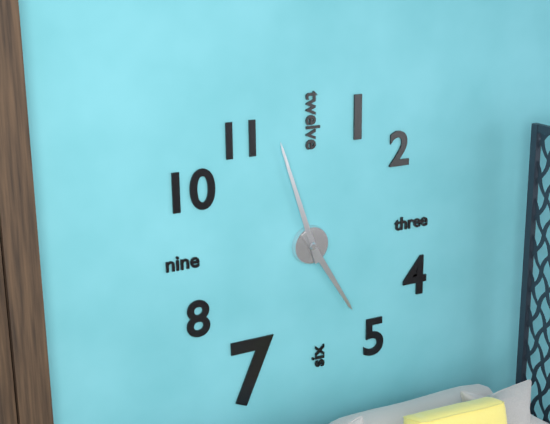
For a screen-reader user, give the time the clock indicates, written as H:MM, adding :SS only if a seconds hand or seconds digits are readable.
4:57
